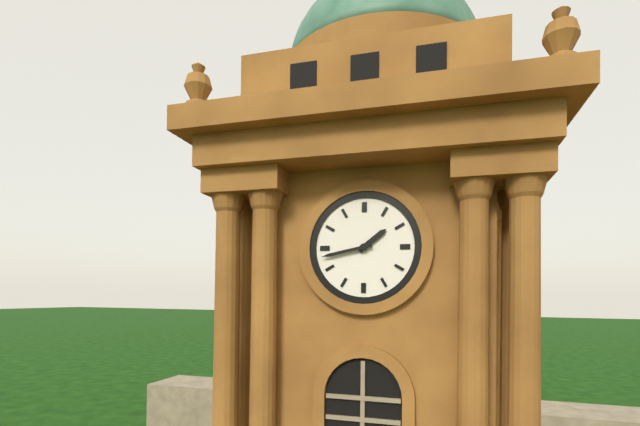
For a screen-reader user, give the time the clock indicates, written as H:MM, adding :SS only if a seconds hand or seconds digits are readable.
1:43
